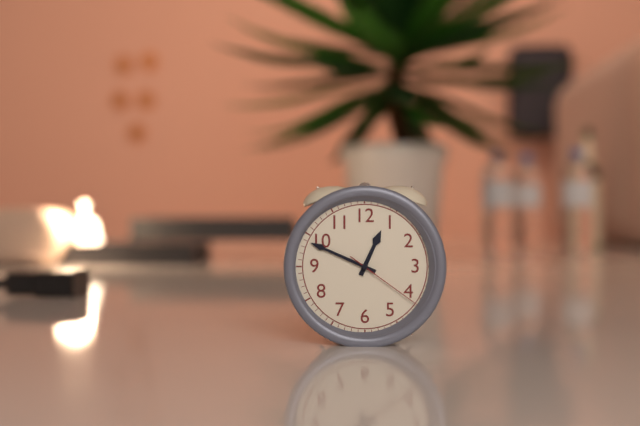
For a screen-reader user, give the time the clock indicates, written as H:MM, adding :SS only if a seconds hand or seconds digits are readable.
12:49:21
